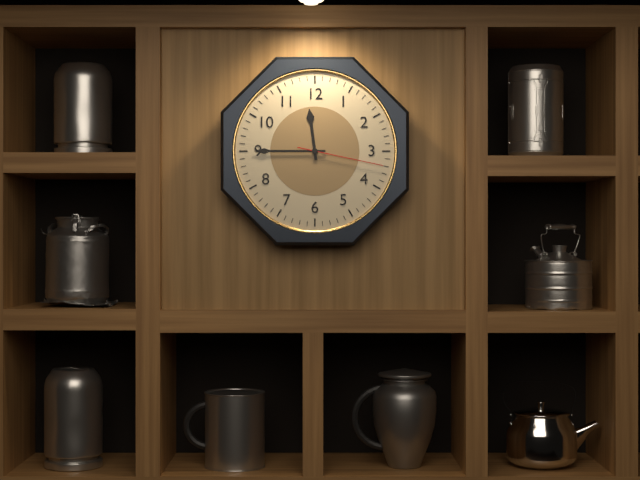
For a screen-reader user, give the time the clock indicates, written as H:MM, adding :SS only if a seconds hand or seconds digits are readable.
11:45:17
